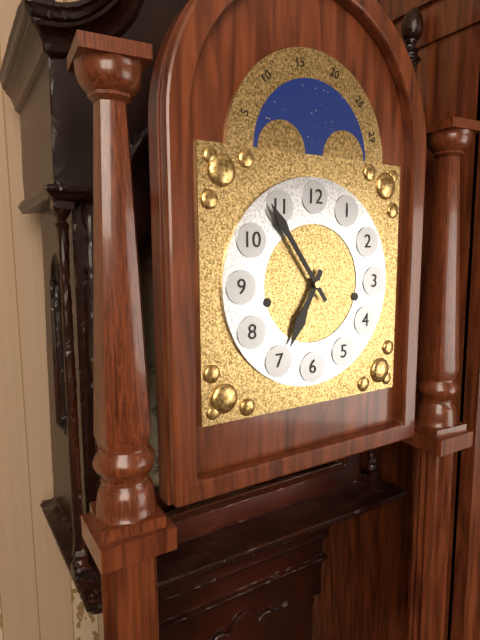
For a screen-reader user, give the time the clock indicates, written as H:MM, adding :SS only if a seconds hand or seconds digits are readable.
6:54
